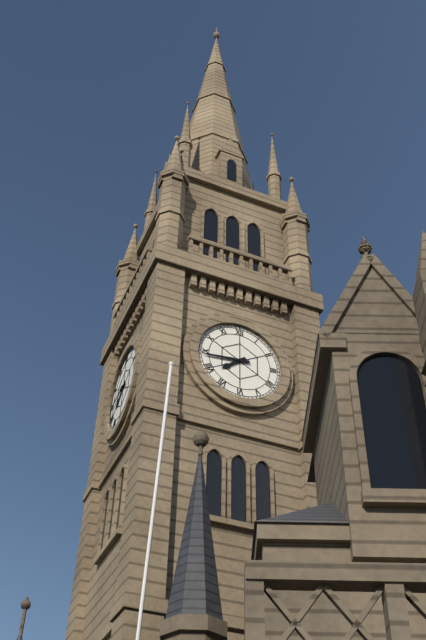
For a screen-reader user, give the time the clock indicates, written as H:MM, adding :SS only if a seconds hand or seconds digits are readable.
7:44
